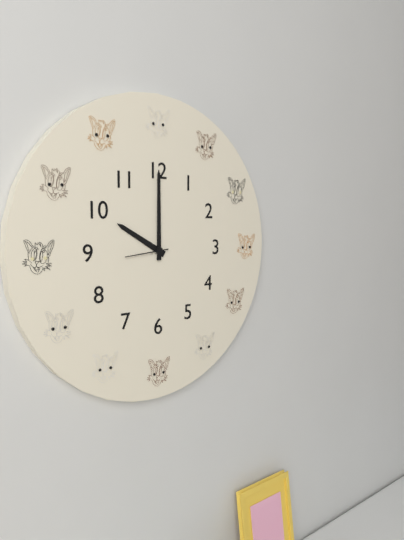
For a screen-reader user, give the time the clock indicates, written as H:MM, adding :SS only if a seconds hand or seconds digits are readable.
10:00
